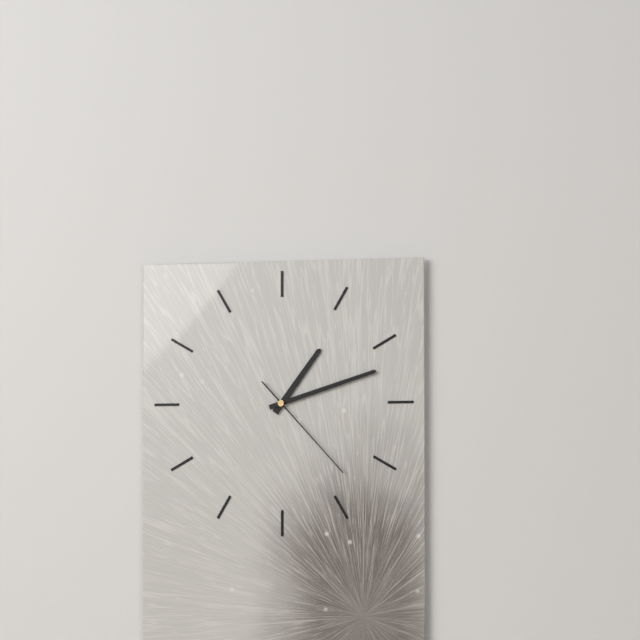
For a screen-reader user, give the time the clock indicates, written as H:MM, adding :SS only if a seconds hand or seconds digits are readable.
1:12:23
